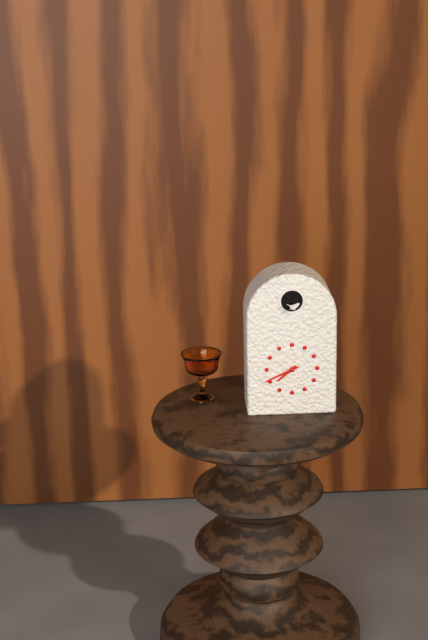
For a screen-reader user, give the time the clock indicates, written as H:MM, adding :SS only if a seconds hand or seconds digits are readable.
7:41
